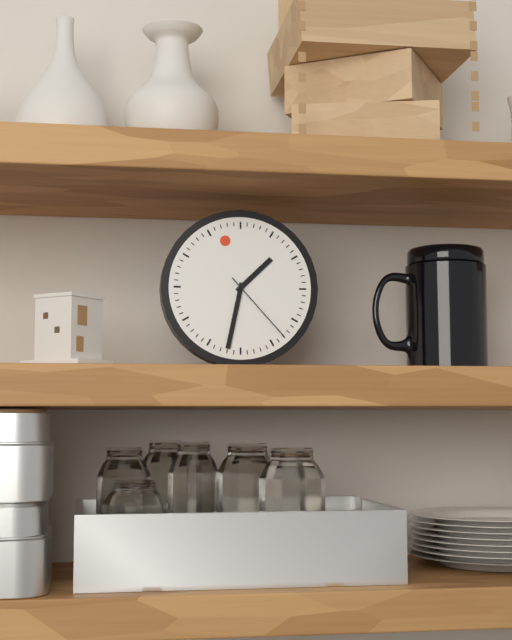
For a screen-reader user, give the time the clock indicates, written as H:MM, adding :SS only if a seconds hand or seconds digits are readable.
1:32:23
